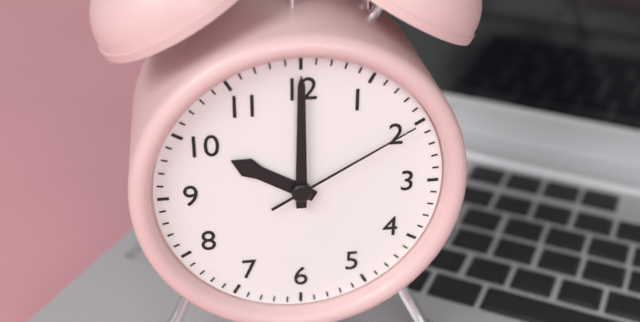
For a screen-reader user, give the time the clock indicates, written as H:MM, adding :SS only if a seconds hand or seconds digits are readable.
10:00:10
